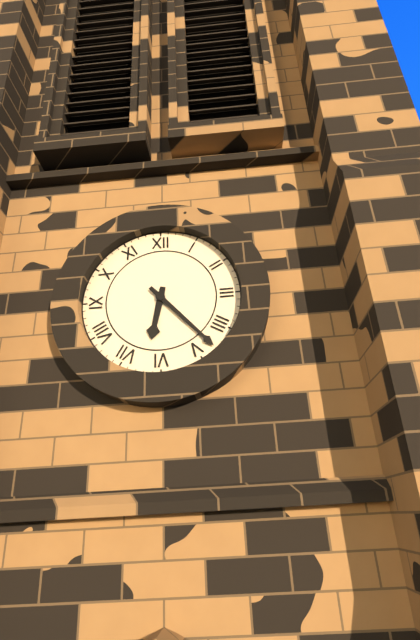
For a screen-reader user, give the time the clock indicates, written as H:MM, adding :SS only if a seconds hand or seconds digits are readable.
6:23
